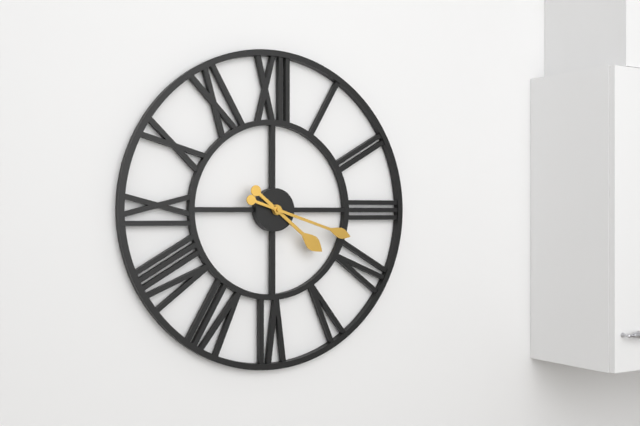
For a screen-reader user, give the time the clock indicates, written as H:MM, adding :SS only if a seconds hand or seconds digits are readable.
4:18
